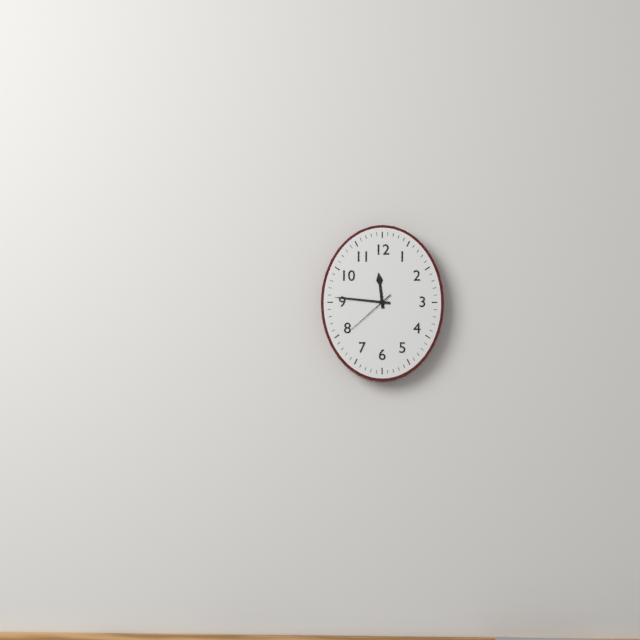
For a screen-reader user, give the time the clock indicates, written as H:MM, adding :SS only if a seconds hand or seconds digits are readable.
11:46:38
